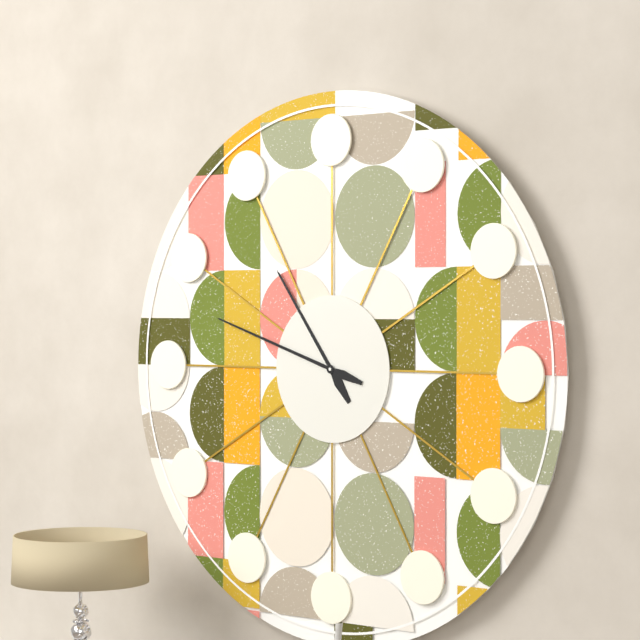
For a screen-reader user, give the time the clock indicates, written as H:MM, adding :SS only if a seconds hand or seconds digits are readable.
10:48
